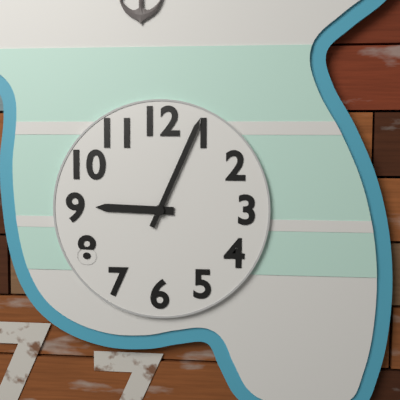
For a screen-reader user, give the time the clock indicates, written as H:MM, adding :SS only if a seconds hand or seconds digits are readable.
9:04
